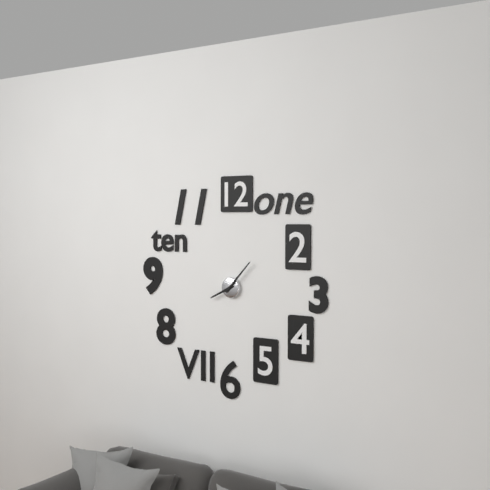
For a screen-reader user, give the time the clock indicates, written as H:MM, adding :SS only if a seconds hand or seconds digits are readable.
8:07
